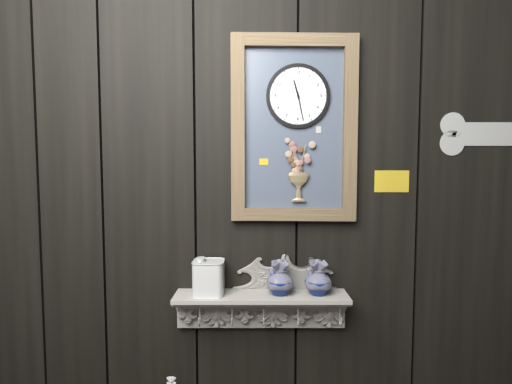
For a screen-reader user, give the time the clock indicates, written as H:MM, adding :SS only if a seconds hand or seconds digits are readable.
11:28
